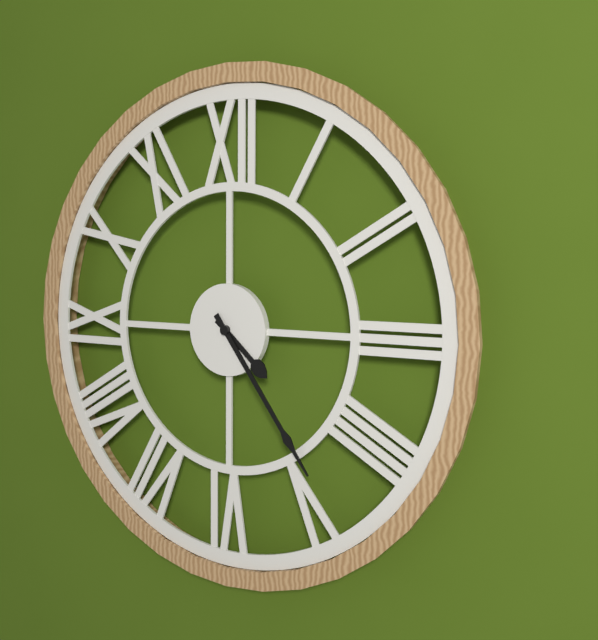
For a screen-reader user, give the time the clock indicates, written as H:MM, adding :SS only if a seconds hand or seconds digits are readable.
4:24
